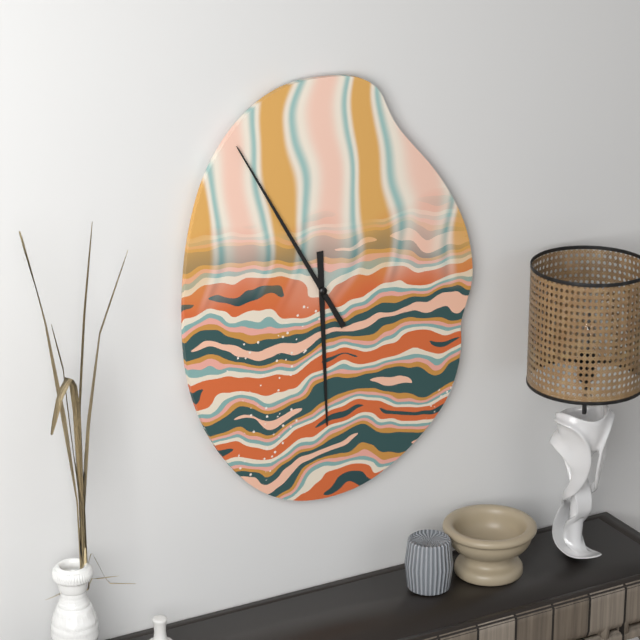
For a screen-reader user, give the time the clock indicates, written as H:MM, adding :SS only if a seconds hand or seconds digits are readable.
5:55
